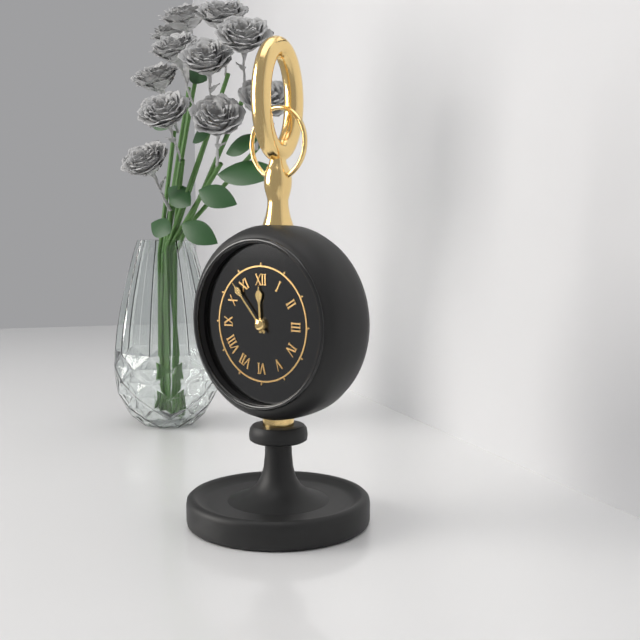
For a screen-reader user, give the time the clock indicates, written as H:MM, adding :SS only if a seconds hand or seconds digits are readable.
11:53
